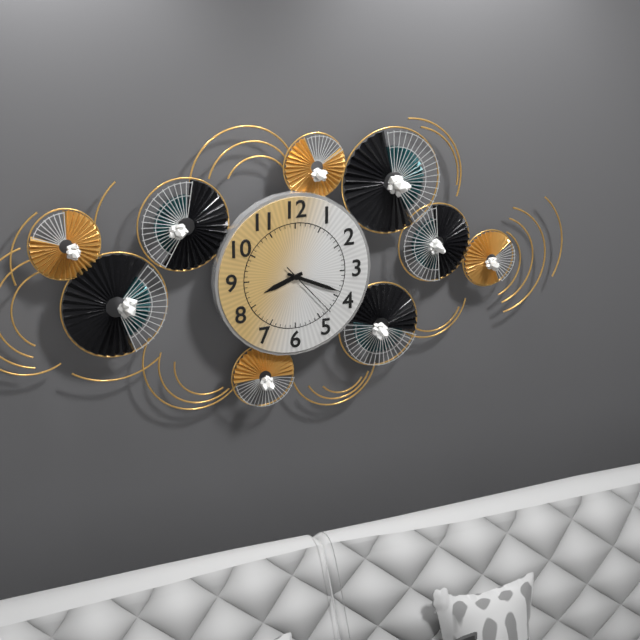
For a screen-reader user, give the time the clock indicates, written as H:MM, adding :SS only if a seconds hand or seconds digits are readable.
8:19:23
